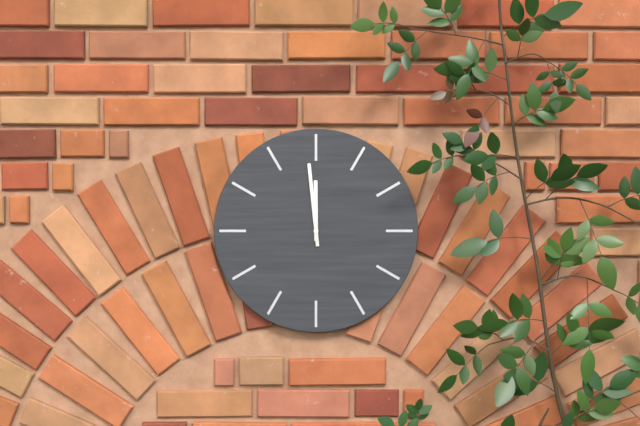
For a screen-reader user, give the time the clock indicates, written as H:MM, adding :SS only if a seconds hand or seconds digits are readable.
11:59
